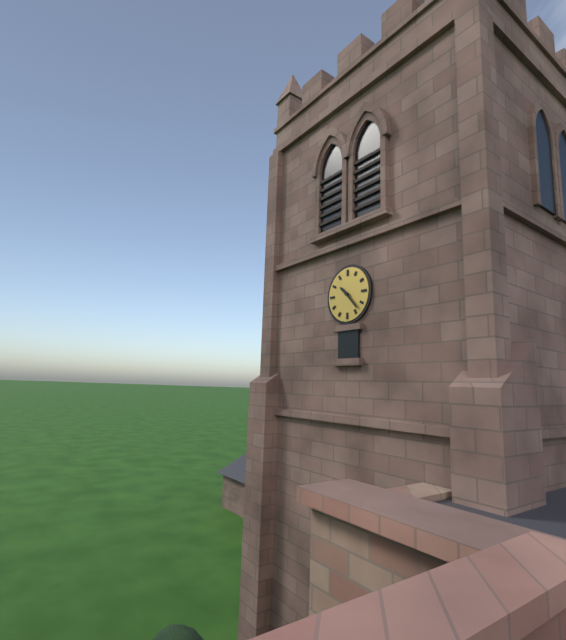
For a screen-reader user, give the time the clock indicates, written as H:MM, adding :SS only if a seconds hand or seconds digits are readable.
10:23
